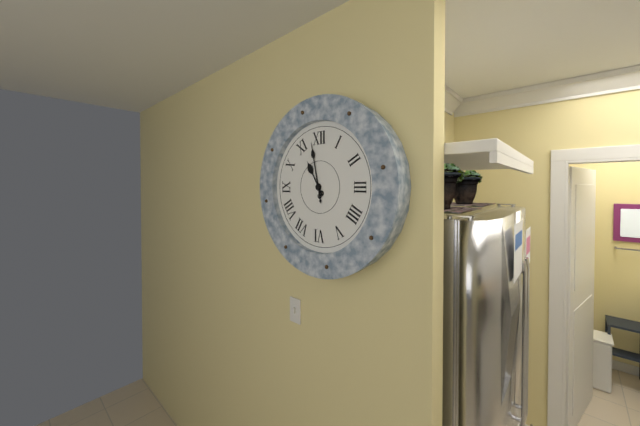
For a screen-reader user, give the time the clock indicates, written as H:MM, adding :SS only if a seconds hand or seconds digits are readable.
10:58
